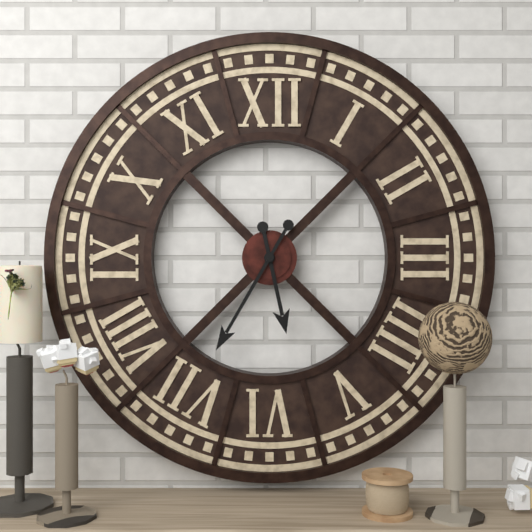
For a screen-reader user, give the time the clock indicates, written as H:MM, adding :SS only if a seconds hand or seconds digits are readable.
5:35
